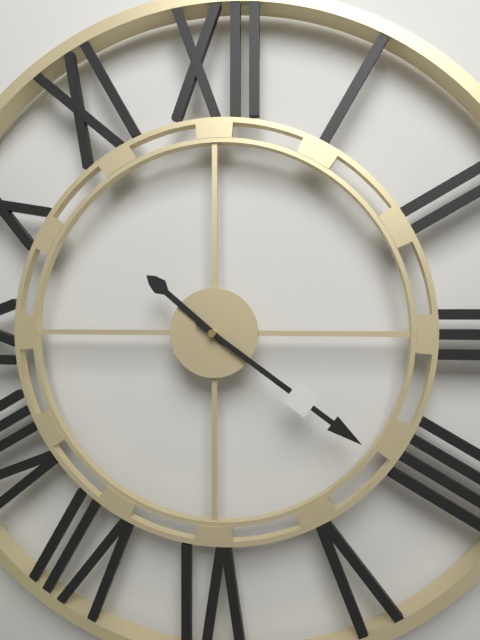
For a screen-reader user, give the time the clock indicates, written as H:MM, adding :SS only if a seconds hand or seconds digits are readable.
10:21
